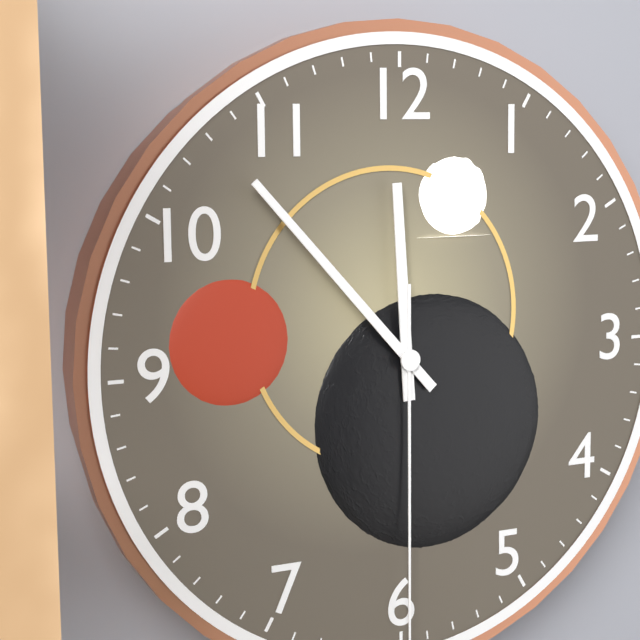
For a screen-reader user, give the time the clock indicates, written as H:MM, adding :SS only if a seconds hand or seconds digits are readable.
11:53
